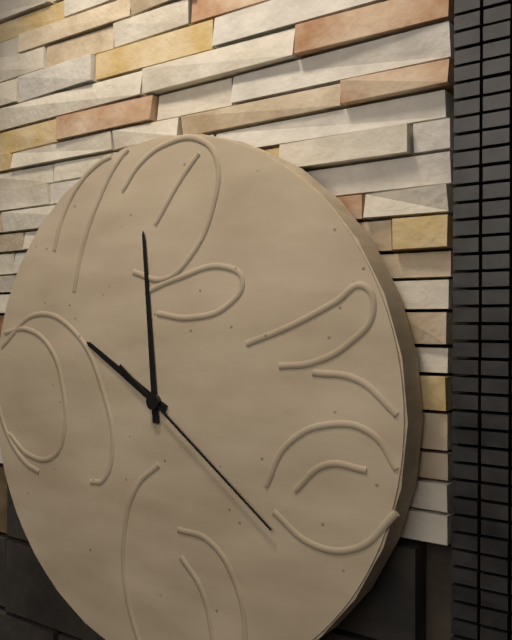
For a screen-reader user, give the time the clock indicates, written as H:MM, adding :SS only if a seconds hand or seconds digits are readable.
9:59:21
